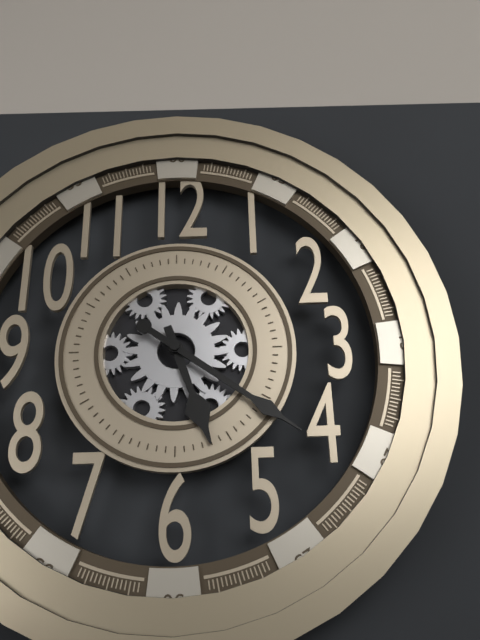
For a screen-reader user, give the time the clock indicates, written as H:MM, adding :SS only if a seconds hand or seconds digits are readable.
5:21
